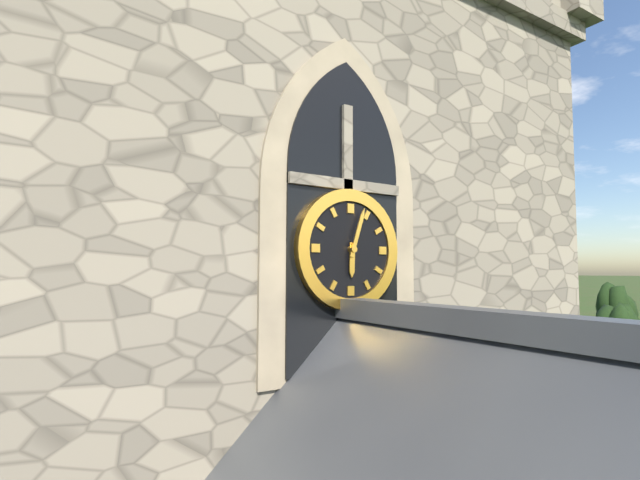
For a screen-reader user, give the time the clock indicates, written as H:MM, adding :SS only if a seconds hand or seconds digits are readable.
6:03
